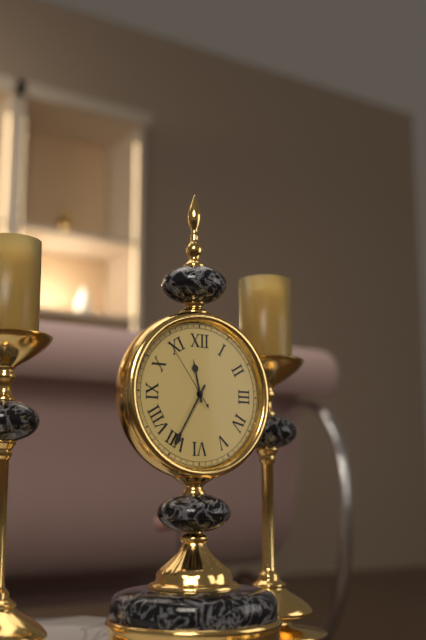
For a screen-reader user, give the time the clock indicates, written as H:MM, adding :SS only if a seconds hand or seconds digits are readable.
11:35:54
